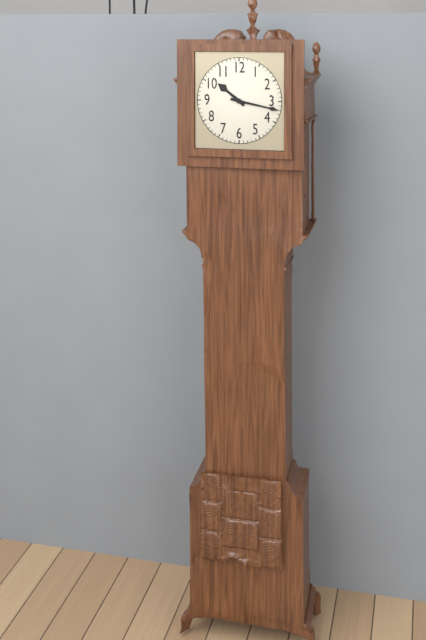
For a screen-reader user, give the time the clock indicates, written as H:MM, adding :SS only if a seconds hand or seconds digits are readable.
10:17
